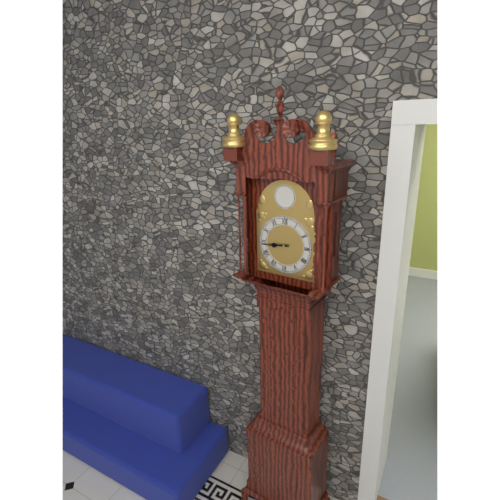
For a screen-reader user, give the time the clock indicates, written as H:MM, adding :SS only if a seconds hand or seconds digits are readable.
8:44
